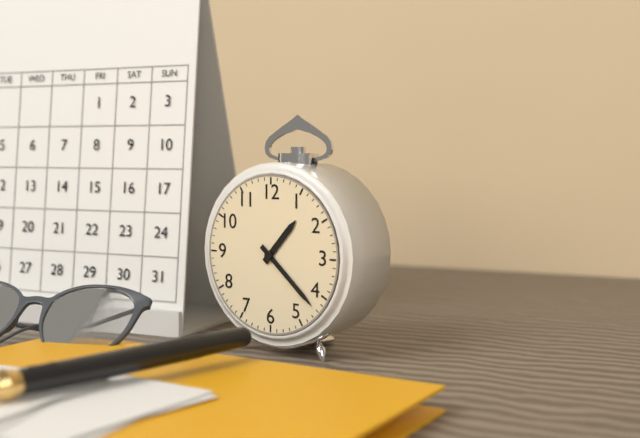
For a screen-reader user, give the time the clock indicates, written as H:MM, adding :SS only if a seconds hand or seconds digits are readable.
1:22
